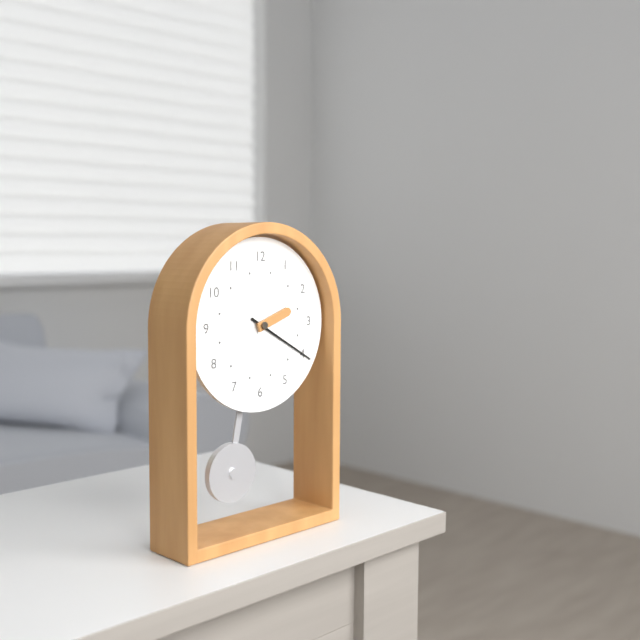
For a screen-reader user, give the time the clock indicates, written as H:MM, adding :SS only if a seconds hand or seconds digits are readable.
2:20
